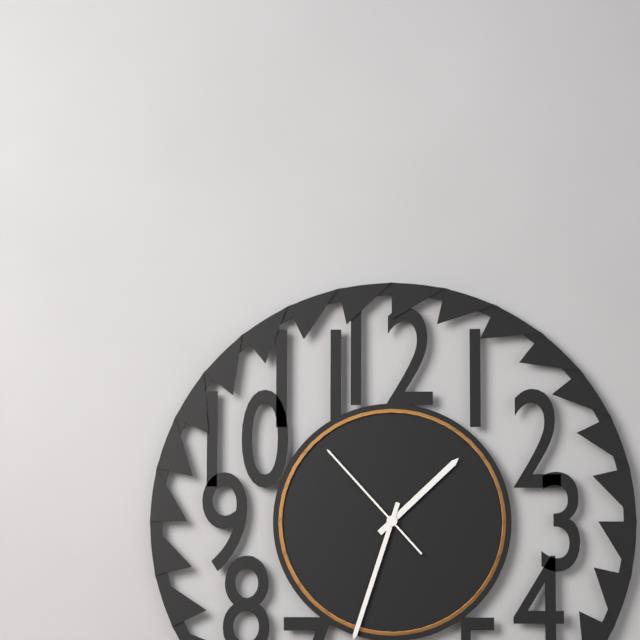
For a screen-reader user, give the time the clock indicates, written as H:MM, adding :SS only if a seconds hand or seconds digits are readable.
1:33:53
